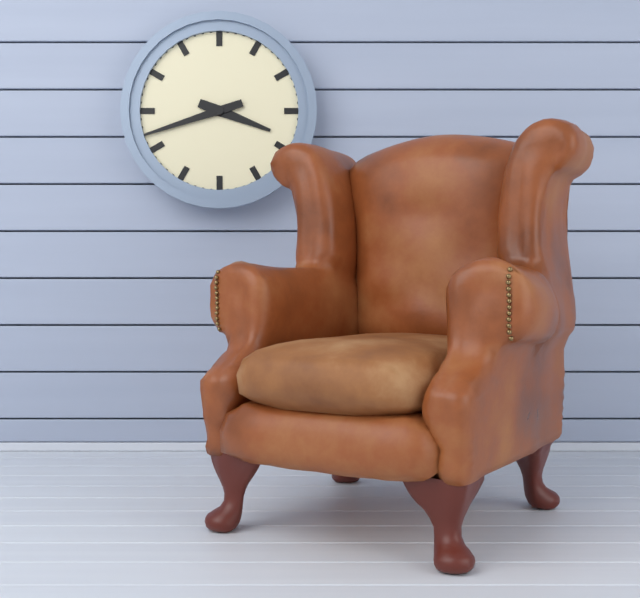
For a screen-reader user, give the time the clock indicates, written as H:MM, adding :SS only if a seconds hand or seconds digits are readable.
3:42
